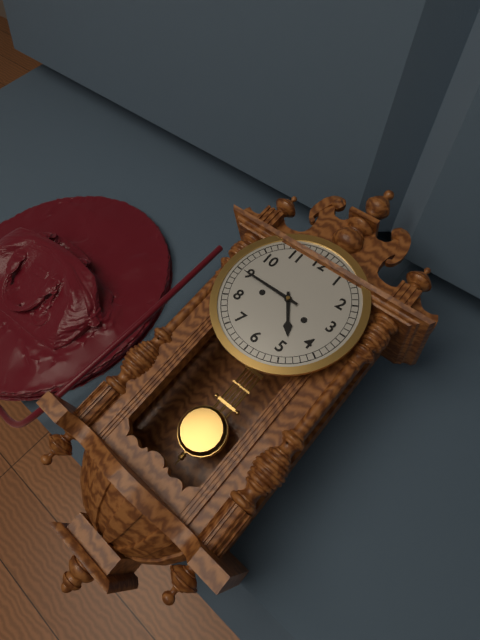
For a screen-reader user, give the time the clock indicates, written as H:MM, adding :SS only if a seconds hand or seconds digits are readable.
4:45
